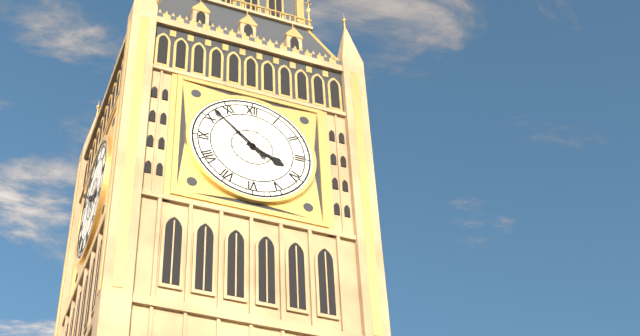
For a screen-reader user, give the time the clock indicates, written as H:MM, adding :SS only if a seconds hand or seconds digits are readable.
3:52
